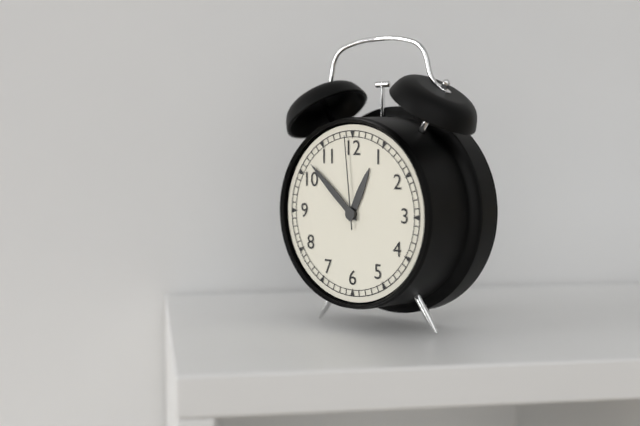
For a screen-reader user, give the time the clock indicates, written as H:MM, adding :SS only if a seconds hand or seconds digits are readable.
12:52:59
